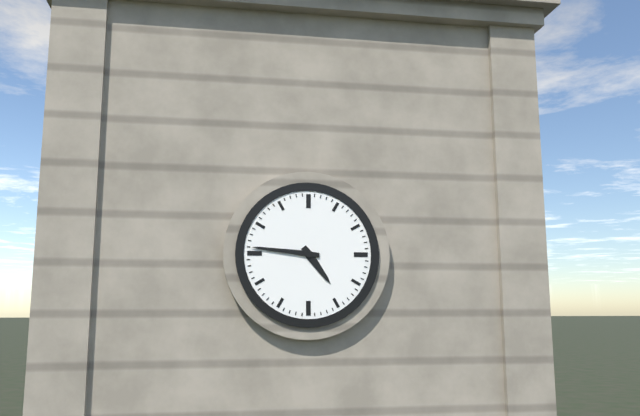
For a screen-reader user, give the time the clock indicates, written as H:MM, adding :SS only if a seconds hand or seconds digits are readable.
4:46
